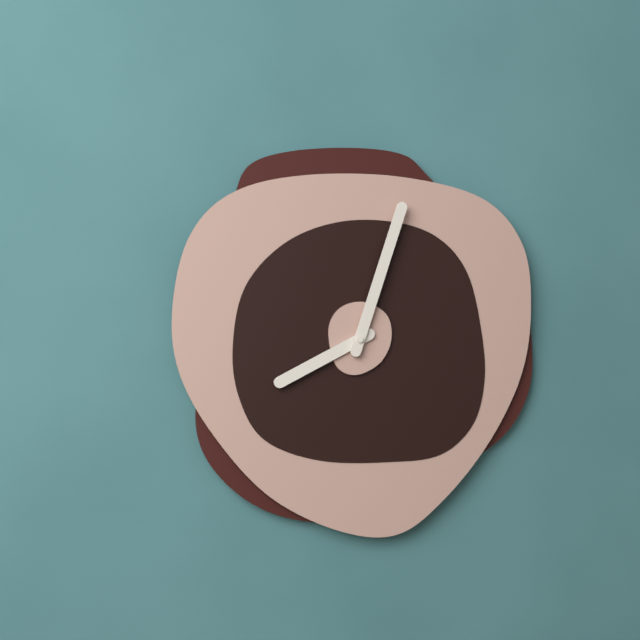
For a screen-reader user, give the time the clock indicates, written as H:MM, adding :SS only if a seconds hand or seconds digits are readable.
8:03
